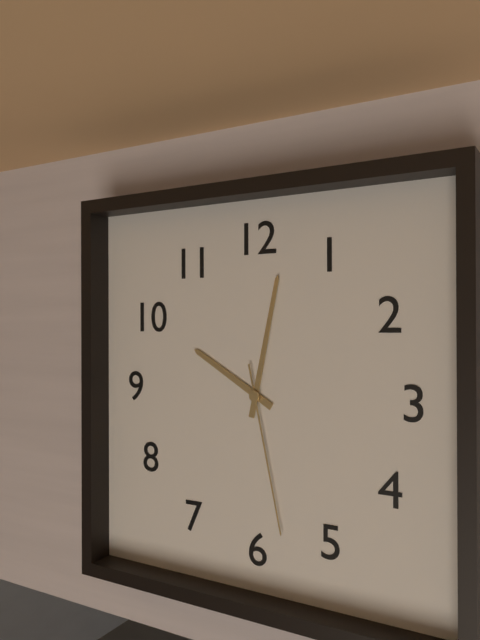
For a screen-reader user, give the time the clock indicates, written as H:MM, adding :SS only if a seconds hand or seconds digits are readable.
10:02:28
